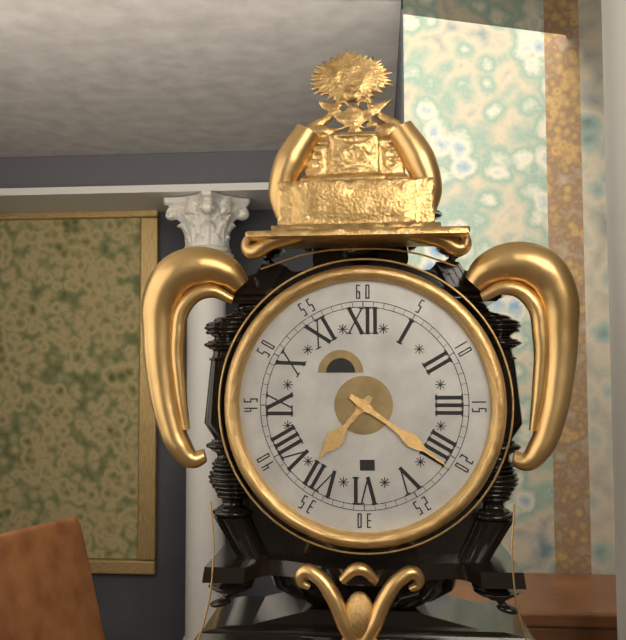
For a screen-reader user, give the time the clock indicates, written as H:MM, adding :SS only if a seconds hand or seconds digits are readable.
7:21
